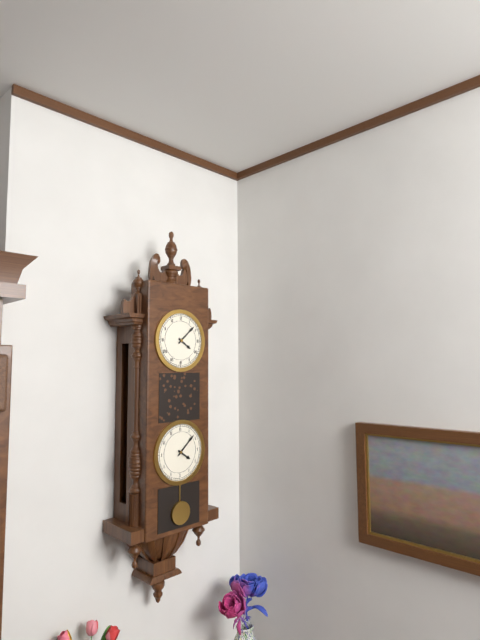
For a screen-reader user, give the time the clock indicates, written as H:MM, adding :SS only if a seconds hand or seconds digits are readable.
4:08
